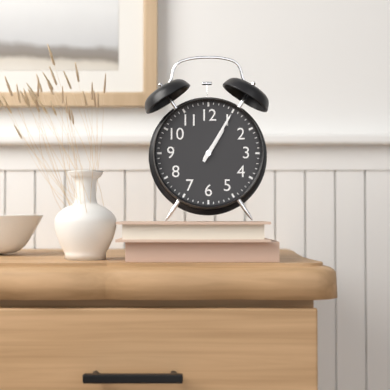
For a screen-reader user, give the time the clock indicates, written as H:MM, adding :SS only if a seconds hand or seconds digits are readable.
1:05
